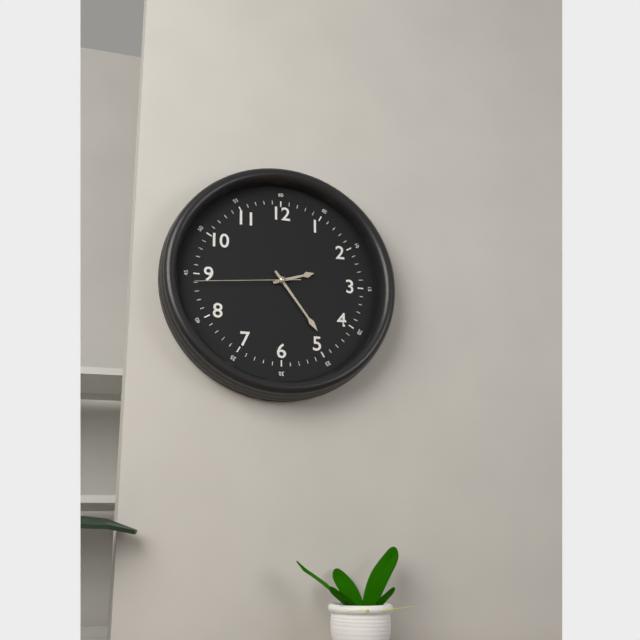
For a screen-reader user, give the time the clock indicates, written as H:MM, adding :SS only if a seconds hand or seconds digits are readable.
2:24:44
